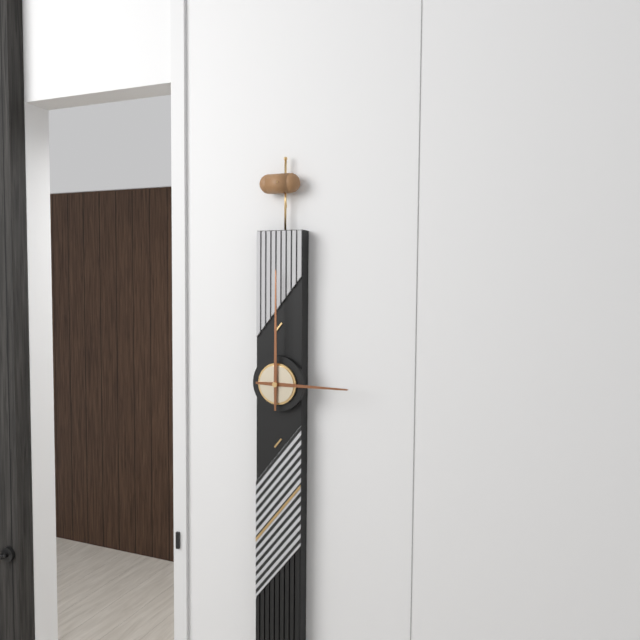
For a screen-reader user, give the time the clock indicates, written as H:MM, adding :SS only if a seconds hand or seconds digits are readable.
3:00
